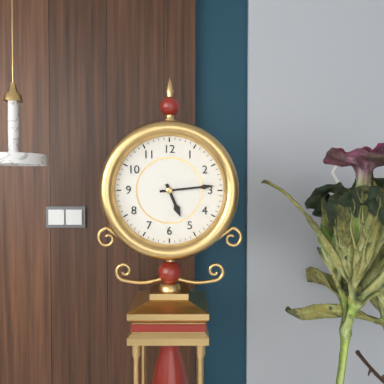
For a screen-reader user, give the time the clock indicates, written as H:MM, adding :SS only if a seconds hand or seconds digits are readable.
5:14
